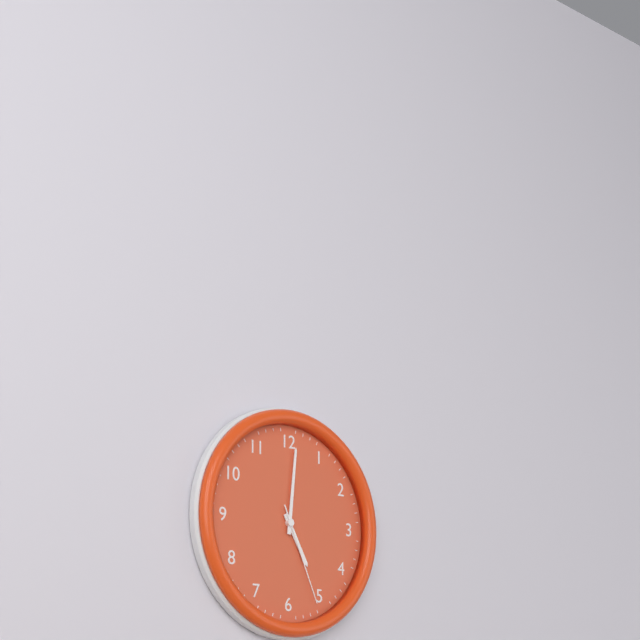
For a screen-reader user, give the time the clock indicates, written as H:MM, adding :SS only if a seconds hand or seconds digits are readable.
5:01:26
